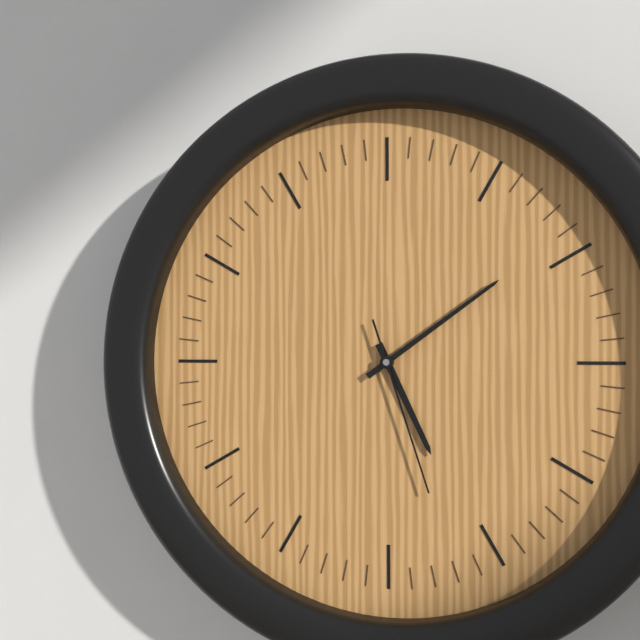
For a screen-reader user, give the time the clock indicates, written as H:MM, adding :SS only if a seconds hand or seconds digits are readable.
5:09:27
